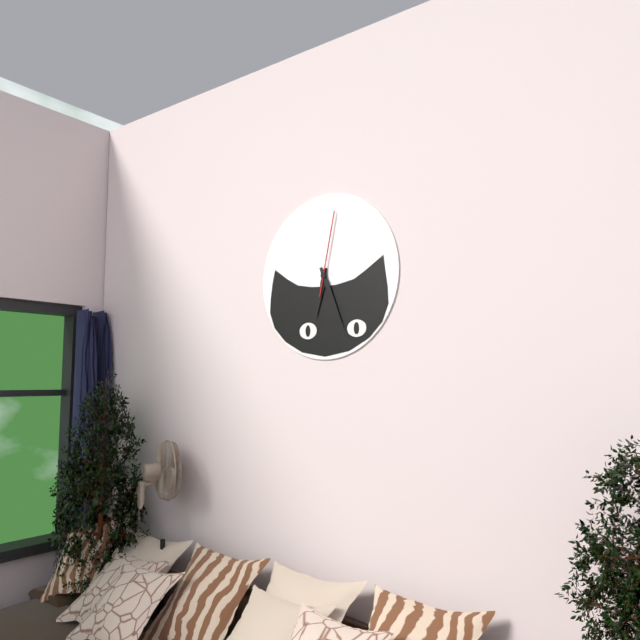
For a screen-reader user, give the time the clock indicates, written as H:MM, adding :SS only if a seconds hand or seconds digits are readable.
6:26:02
